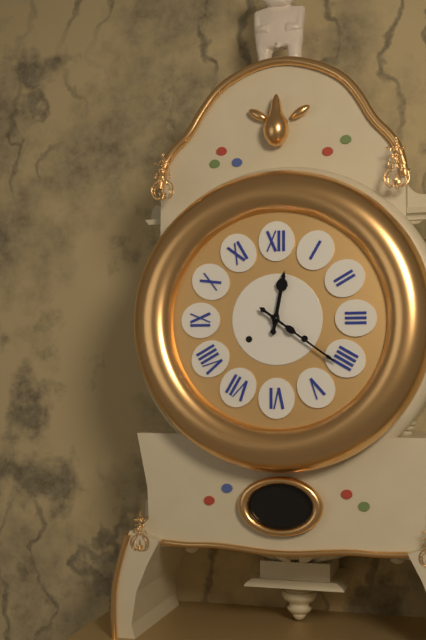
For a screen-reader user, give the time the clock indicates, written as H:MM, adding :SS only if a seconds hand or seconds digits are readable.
12:21
